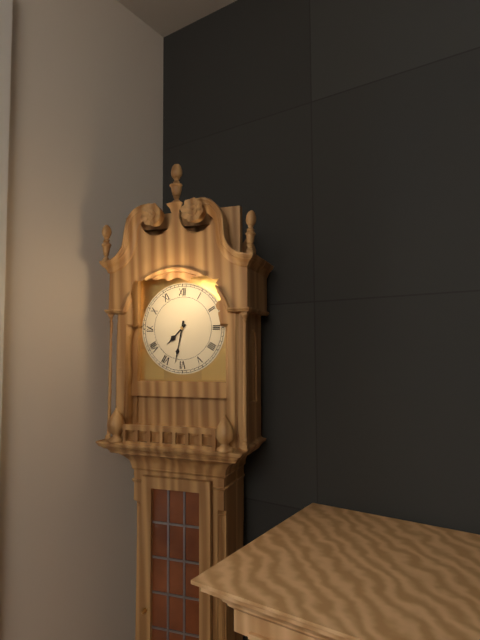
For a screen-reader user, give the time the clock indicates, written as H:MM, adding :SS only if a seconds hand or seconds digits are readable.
7:32
